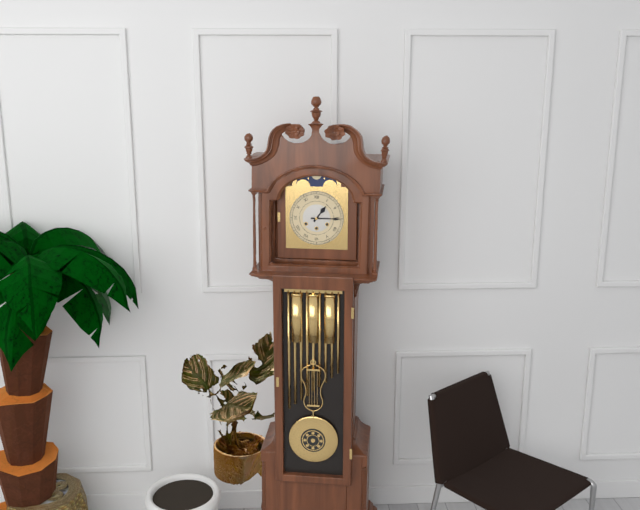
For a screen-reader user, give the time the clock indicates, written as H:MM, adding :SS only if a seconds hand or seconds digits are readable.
1:15
